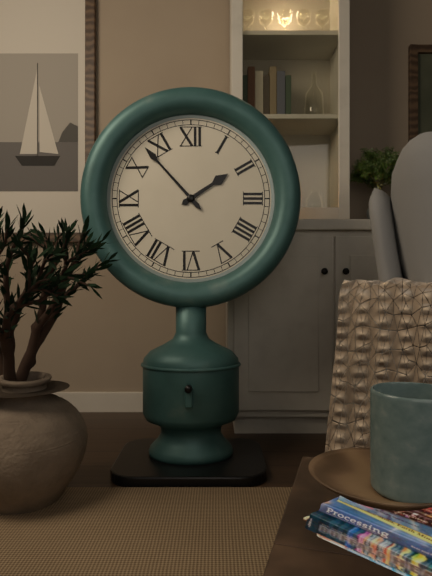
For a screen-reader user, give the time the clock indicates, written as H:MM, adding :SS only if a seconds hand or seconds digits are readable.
1:53
